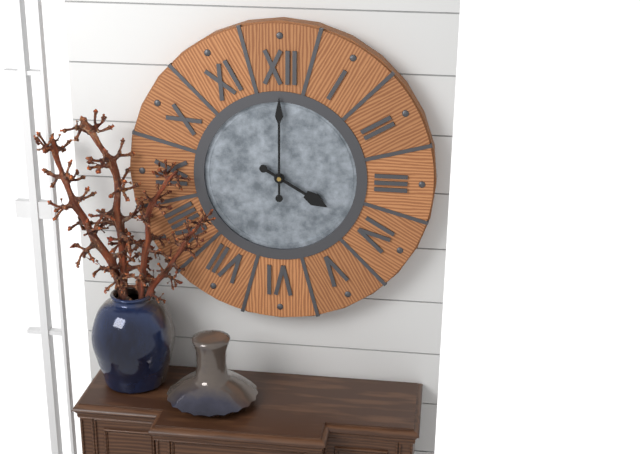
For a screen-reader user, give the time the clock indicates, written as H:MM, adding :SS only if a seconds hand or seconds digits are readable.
4:00
